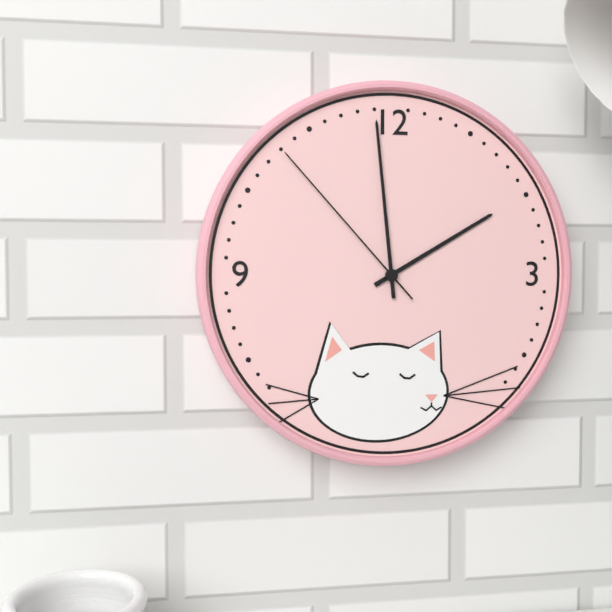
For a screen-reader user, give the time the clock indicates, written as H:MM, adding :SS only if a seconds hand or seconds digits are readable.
1:59:53
